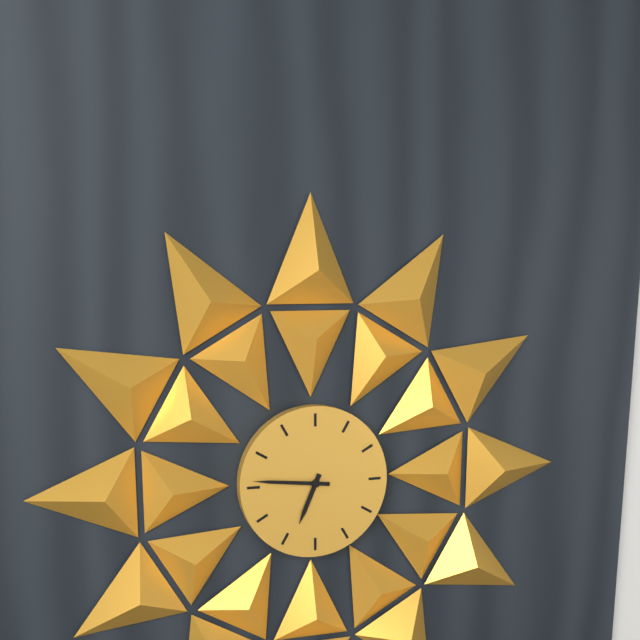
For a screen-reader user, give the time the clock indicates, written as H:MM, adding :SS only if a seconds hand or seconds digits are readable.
6:46
